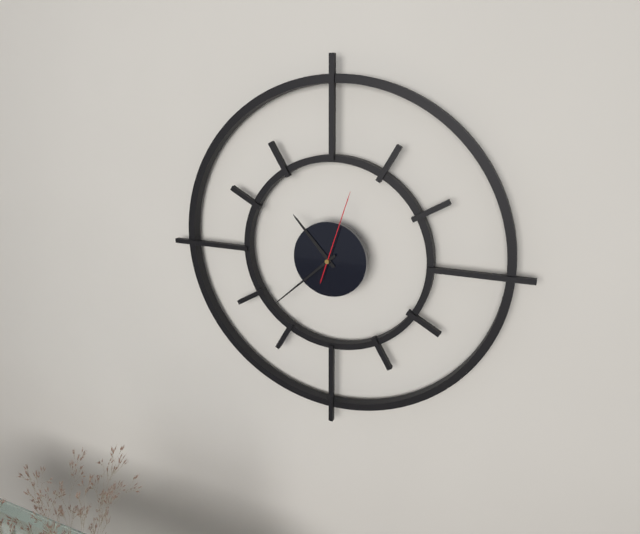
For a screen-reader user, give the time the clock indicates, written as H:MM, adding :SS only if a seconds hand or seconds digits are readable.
10:38:03
